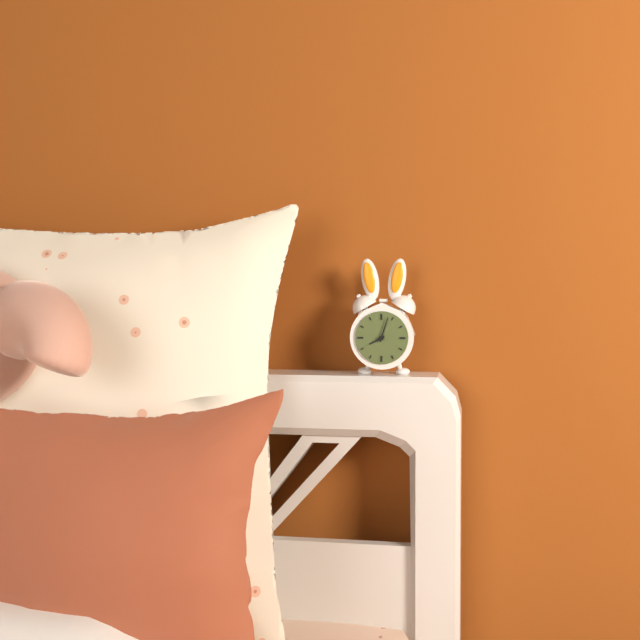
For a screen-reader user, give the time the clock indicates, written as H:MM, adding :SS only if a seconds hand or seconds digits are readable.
8:03
